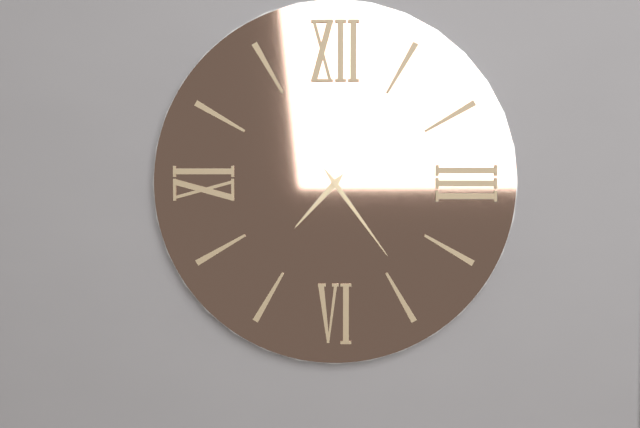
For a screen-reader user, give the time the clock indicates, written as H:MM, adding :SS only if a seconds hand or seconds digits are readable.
7:24
